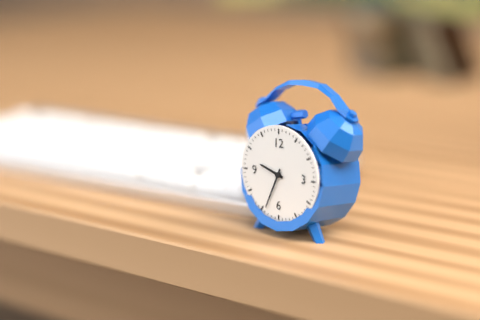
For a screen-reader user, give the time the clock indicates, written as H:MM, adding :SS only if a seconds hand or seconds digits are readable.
9:34
